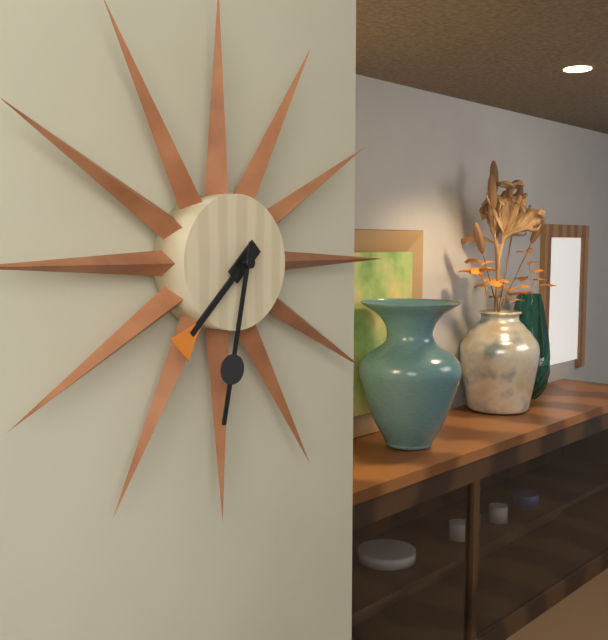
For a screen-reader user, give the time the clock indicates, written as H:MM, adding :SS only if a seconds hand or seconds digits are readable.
7:32
